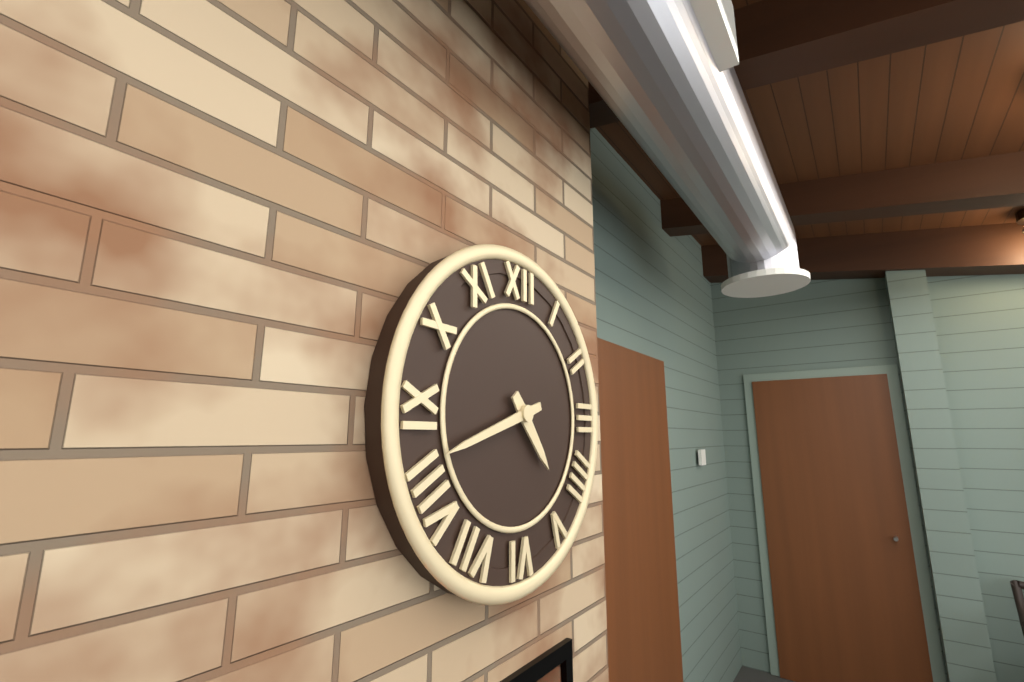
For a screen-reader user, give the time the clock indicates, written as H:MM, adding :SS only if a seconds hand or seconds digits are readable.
4:42
